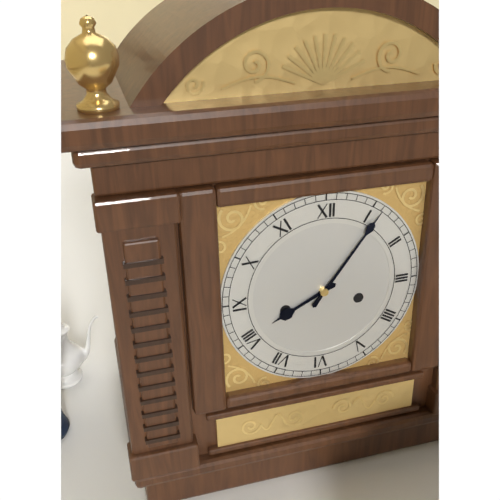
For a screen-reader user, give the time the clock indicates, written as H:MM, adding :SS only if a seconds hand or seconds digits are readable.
8:06
